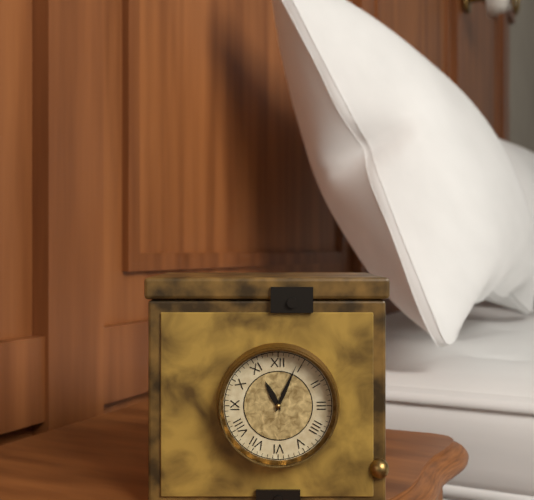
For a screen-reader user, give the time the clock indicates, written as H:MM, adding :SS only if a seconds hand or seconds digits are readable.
11:04
